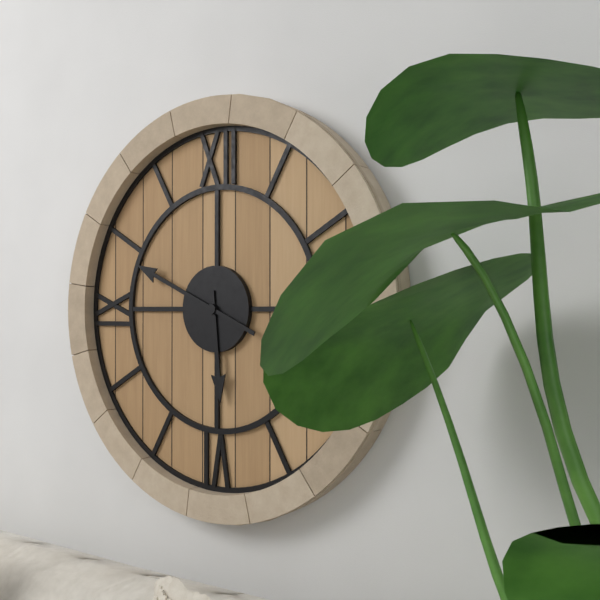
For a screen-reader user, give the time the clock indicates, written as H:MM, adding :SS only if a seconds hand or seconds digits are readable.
5:49
